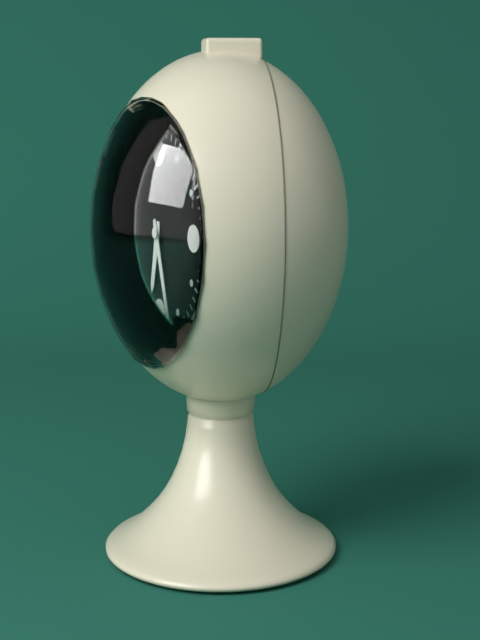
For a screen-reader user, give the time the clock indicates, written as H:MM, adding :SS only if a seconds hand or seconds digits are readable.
6:27
